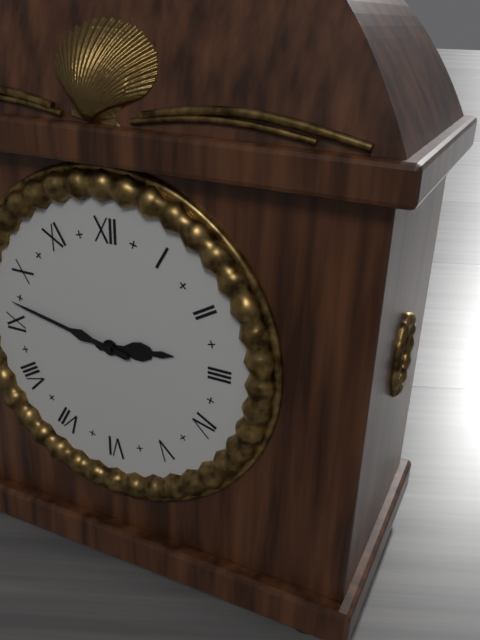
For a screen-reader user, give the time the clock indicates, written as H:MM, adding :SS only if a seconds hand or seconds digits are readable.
2:47
